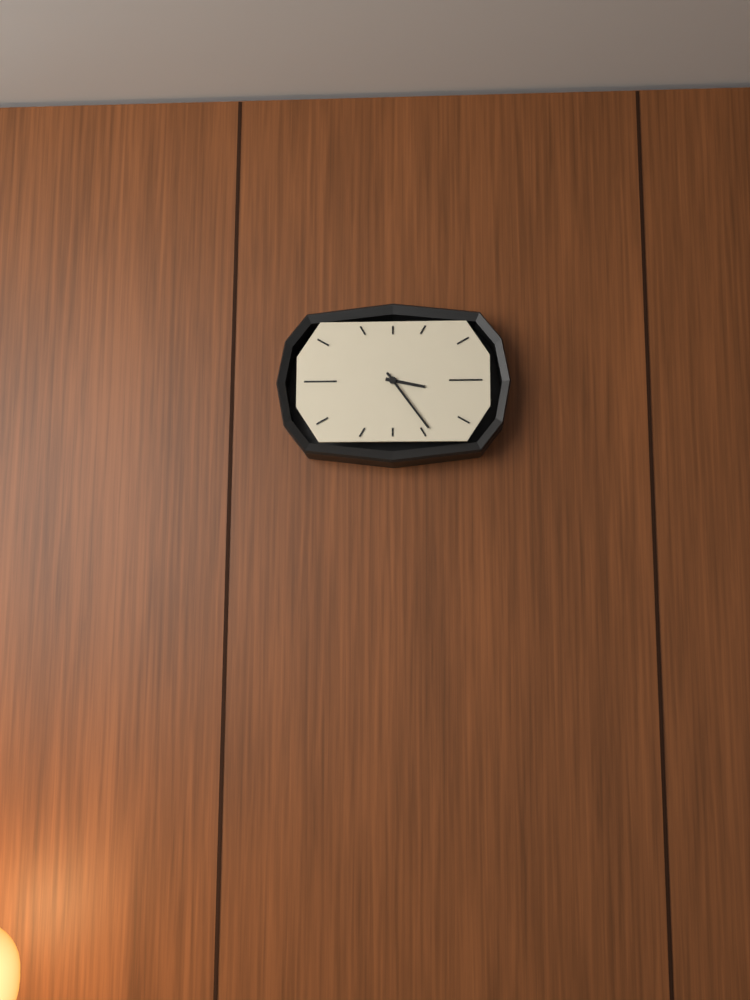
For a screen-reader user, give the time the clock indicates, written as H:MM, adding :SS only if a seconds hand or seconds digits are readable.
3:24
